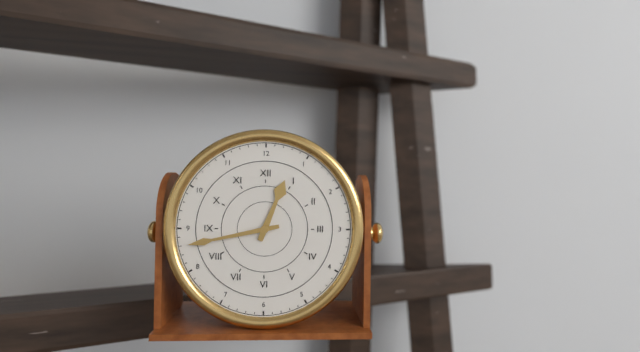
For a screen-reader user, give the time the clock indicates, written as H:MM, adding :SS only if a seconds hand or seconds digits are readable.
12:43
